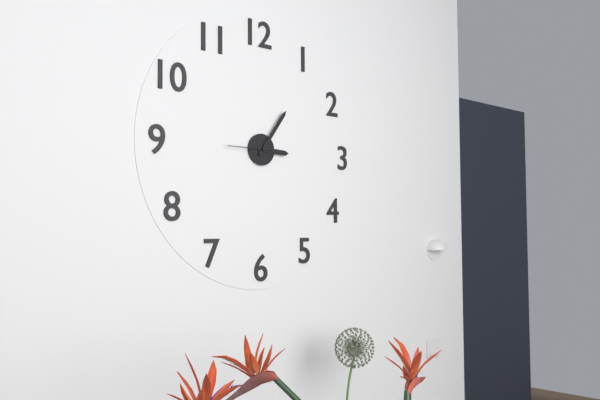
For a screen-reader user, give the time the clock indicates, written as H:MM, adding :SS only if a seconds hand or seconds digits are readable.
3:06
